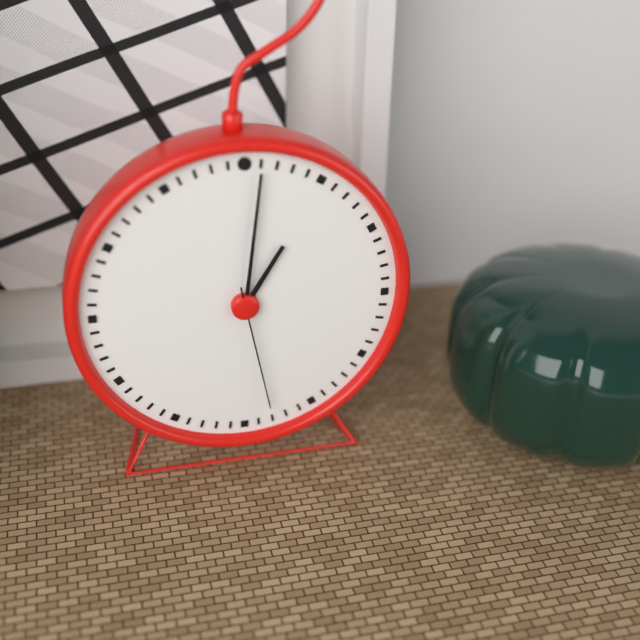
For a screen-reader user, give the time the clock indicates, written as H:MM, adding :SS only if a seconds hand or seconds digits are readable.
1:01:28
